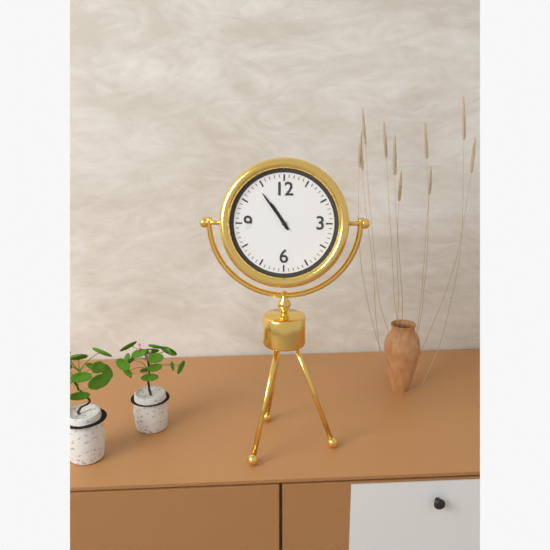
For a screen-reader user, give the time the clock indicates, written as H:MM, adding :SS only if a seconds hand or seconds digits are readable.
10:54
